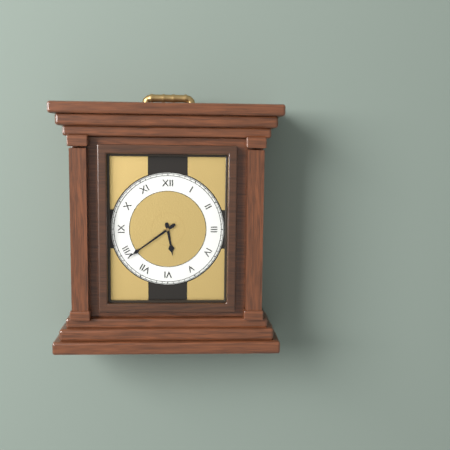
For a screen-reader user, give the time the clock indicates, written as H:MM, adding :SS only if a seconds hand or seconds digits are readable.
5:39
